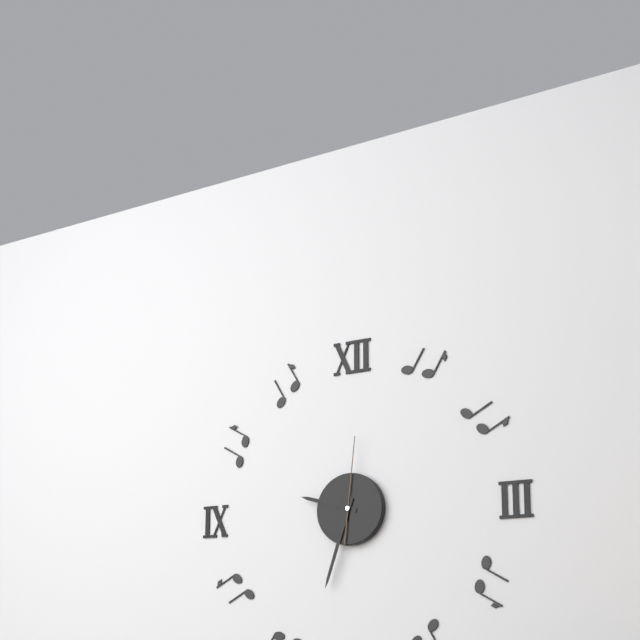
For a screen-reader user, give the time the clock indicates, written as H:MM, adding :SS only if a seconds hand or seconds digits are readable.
9:33:01
